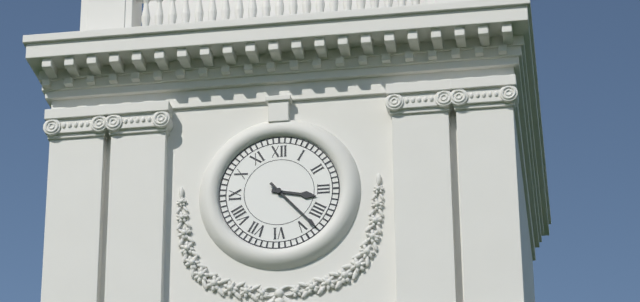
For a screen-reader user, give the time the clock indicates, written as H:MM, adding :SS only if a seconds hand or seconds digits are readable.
3:23
